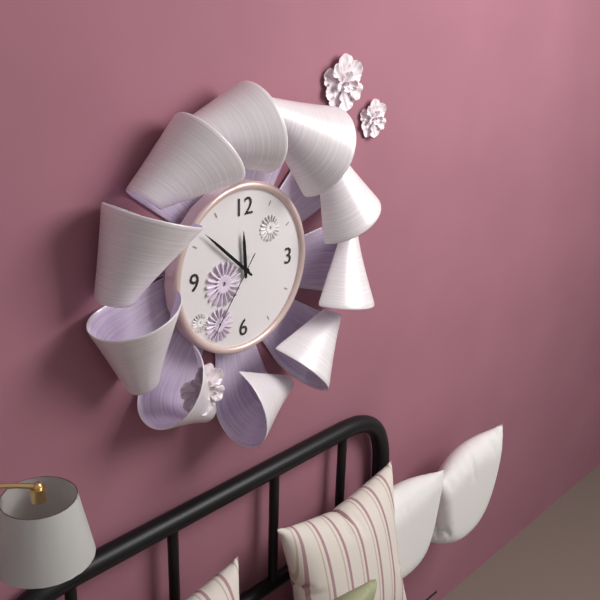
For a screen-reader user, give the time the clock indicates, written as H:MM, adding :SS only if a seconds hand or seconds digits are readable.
11:52:36
